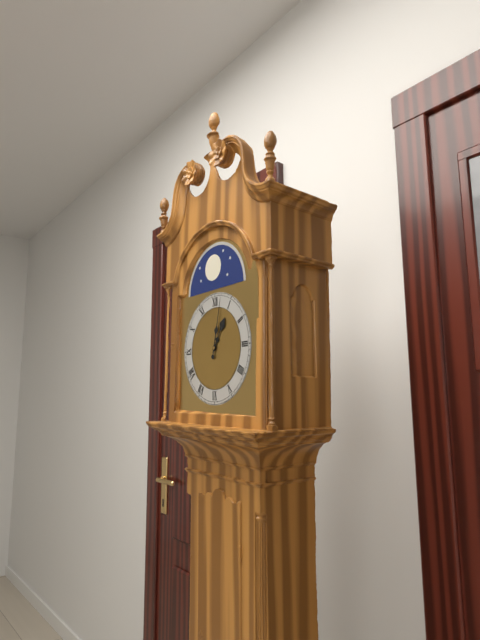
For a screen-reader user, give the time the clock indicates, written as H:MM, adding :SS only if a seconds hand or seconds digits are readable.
1:02
